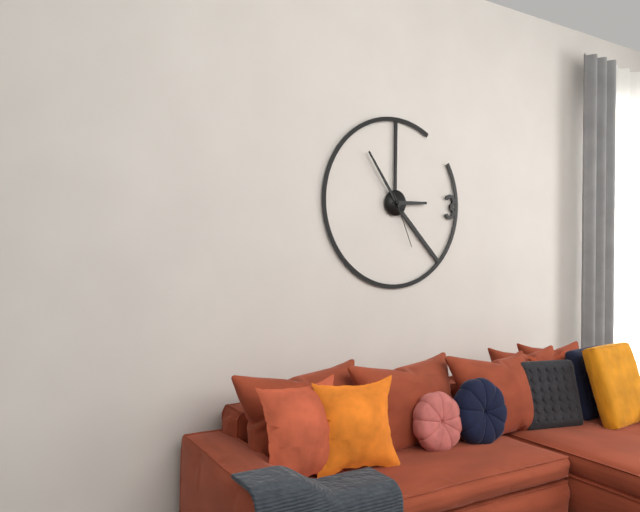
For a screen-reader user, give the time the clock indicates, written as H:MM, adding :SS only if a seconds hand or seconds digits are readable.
2:54:26
